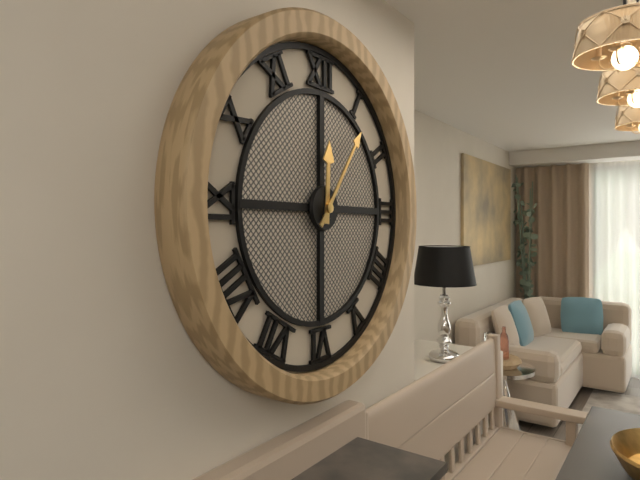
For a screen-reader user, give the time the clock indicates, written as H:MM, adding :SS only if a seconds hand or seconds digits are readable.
12:06
